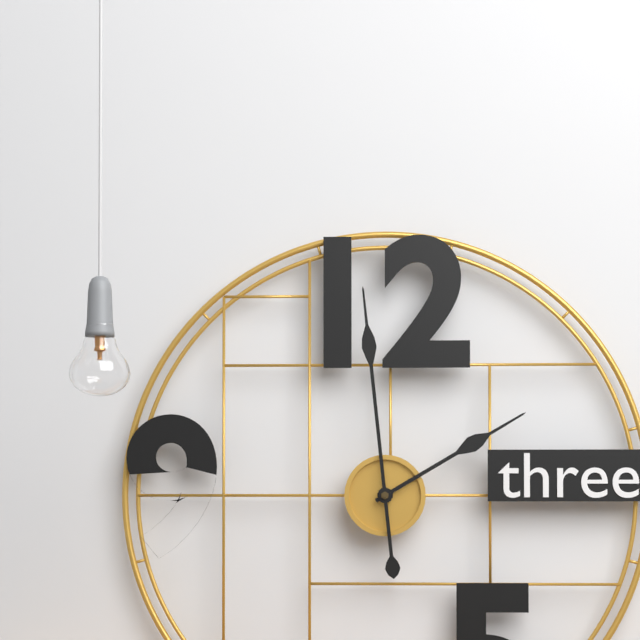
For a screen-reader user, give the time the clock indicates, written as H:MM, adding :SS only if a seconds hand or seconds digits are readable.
1:59
